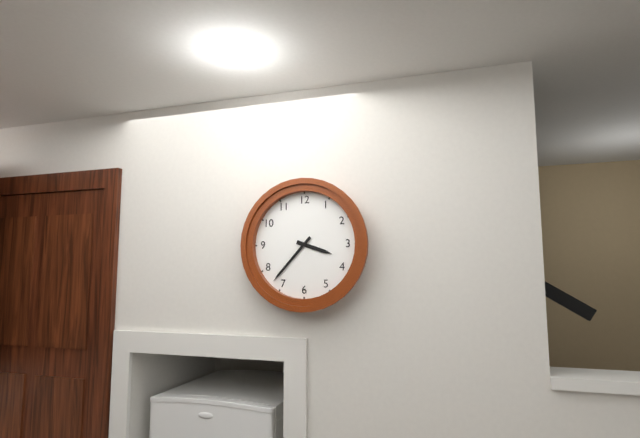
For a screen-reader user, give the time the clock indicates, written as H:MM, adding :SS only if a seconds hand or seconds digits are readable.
3:37
